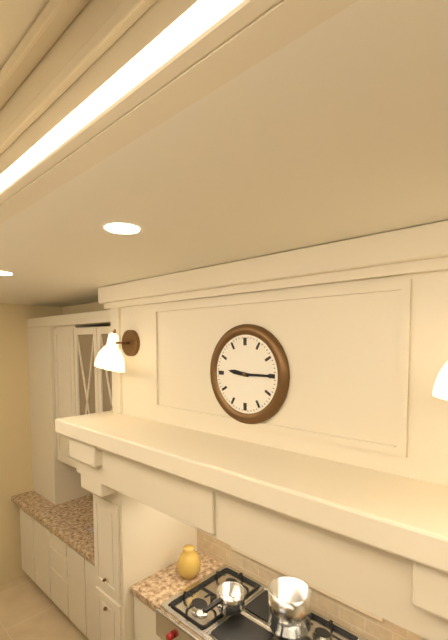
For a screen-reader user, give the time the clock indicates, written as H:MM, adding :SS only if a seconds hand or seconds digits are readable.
9:15
